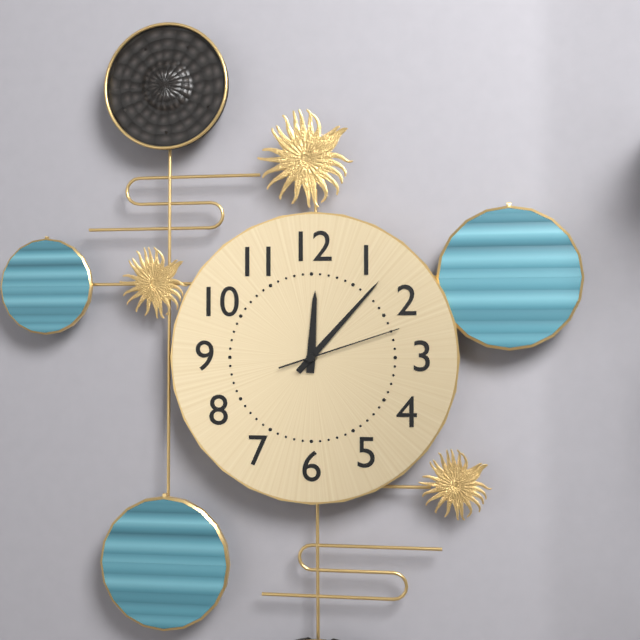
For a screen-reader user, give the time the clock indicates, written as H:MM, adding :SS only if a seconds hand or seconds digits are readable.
12:07:12
